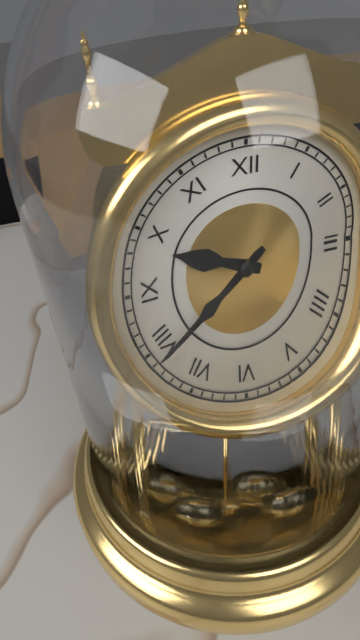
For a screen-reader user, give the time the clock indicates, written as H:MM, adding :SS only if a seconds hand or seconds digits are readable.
9:39
